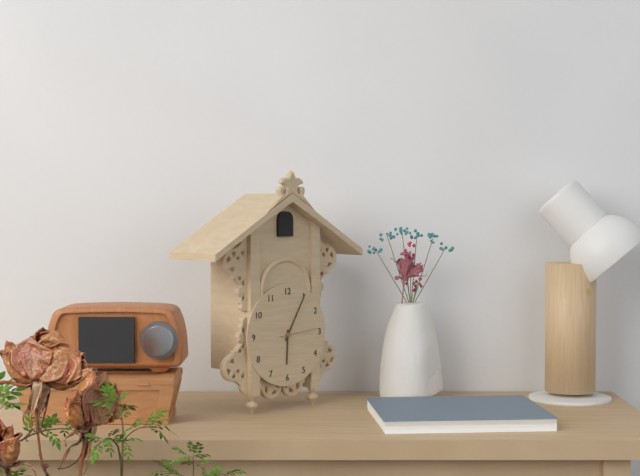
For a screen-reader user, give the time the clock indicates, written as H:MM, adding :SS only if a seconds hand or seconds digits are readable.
6:05
